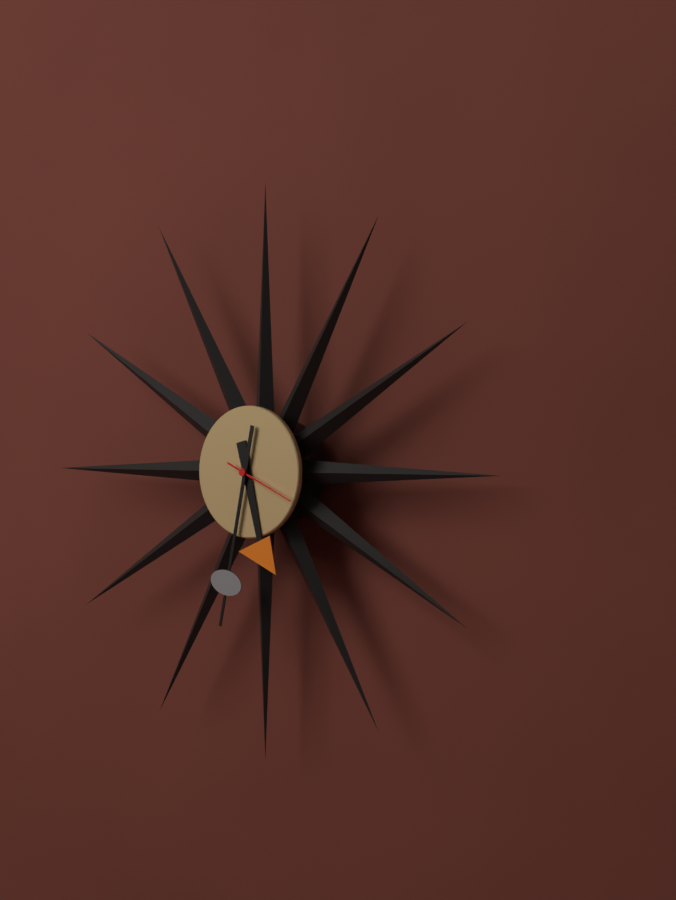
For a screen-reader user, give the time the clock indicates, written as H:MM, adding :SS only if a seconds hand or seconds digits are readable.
5:32
